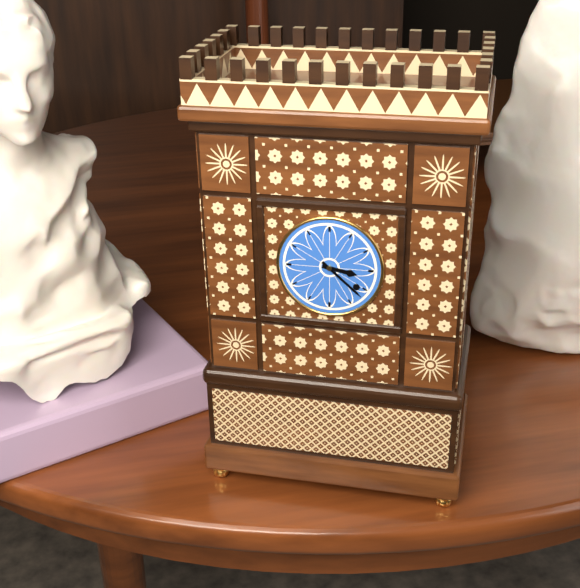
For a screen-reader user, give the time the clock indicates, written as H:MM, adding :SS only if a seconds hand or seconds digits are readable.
3:22
